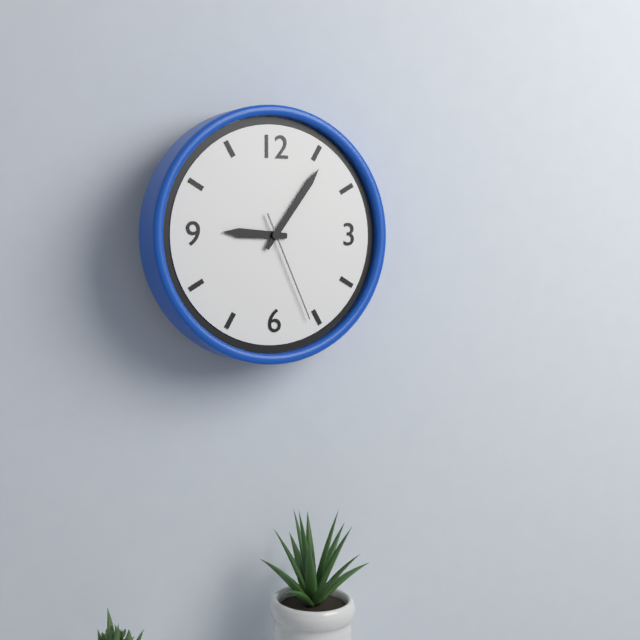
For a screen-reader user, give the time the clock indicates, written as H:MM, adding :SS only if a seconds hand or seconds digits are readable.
9:06:26
